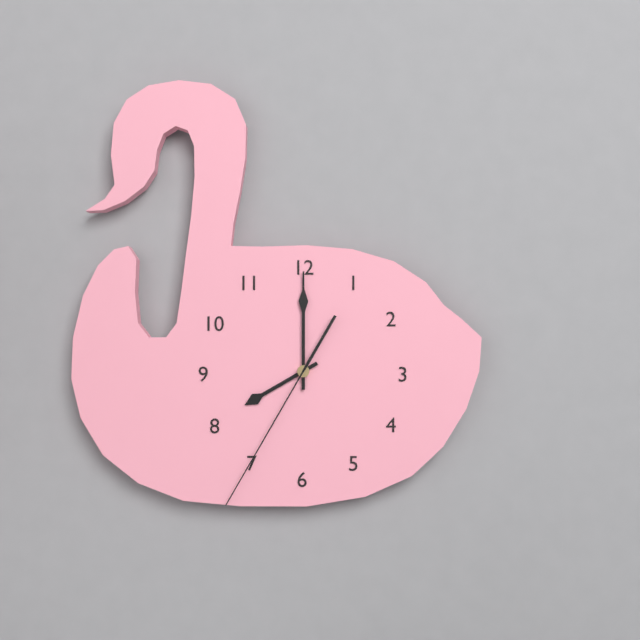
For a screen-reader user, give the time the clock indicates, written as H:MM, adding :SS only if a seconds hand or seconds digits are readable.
8:00:35
